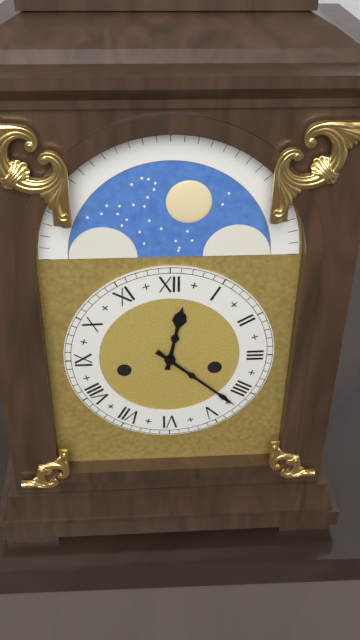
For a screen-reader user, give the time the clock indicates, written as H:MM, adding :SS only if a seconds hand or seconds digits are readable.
12:22
